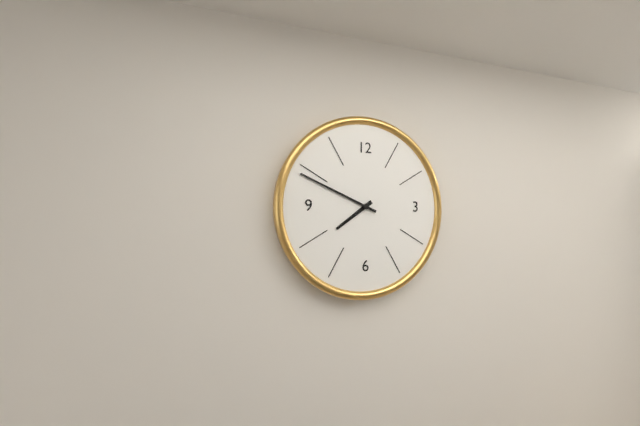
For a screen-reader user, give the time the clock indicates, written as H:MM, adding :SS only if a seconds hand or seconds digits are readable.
7:49
